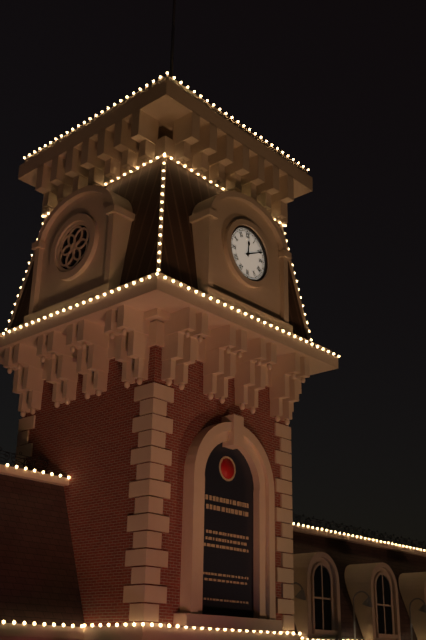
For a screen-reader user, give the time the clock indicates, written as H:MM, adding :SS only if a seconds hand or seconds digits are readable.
12:11
